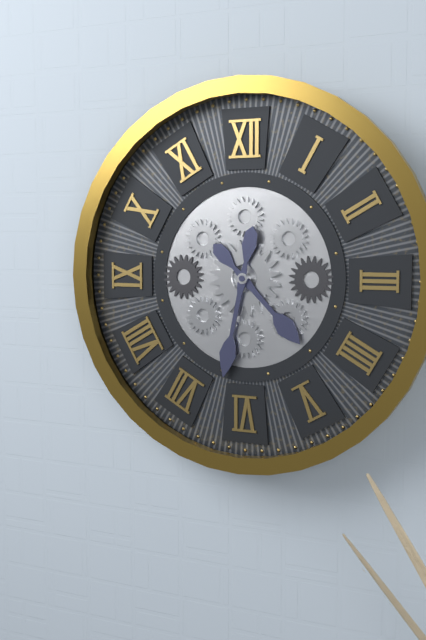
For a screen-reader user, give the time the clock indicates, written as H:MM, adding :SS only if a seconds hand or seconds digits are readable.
4:32
